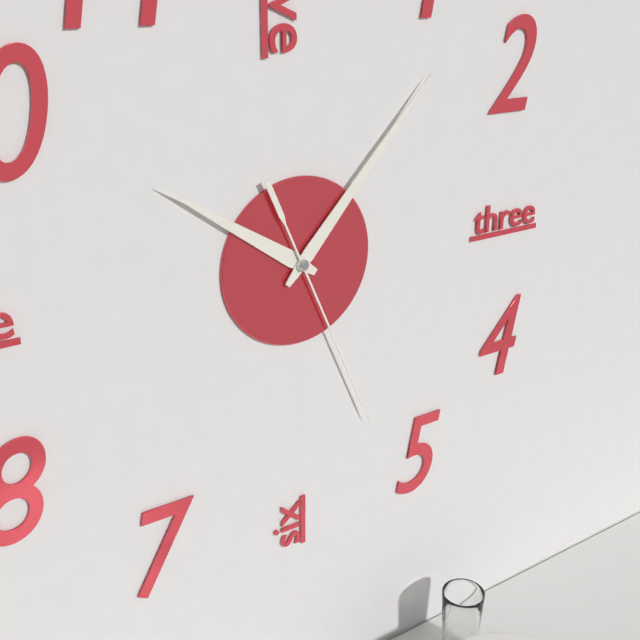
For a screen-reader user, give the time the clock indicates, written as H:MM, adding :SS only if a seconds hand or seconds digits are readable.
10:07:26
